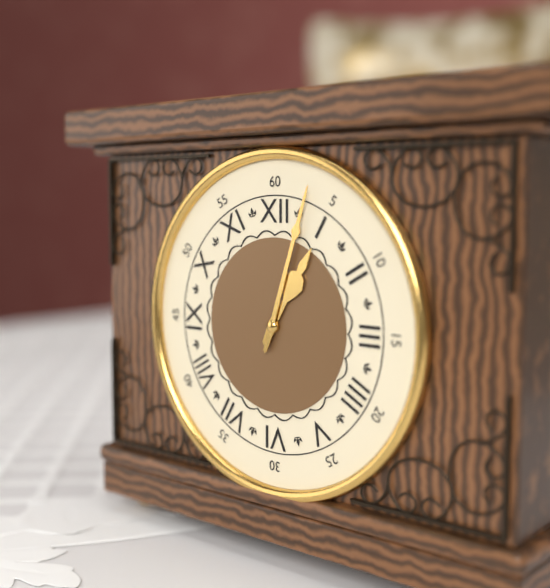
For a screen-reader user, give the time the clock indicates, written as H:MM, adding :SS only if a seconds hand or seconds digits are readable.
1:03
